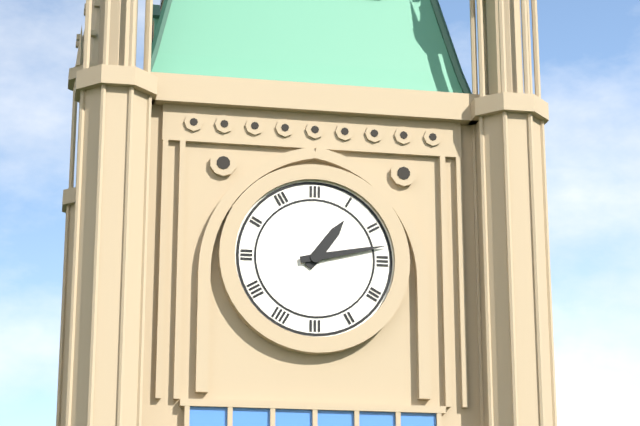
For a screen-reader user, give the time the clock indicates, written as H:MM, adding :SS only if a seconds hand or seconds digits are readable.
1:13
